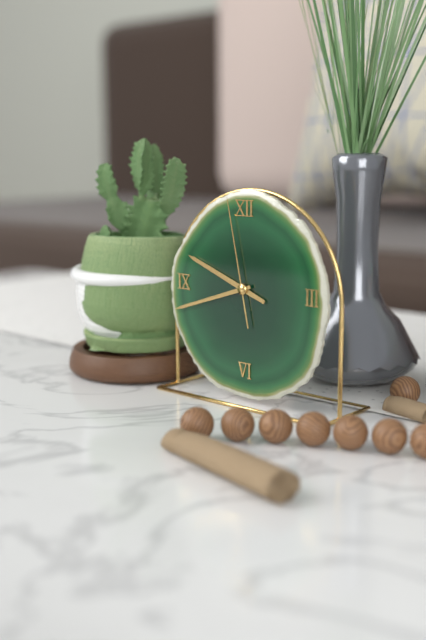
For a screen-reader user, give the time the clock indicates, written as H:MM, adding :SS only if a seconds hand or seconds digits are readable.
9:42:58
